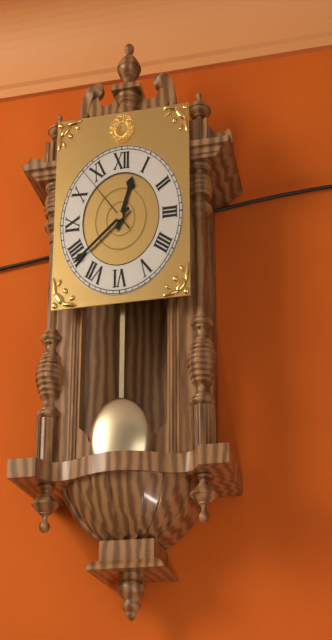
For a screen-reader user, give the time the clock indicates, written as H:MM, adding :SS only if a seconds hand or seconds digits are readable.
12:39:53
